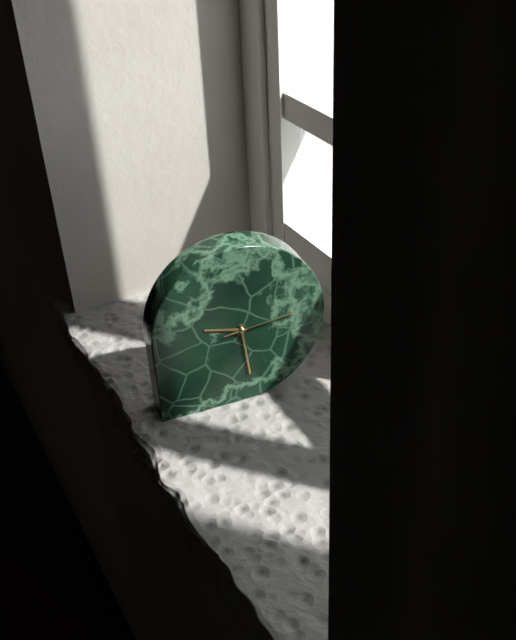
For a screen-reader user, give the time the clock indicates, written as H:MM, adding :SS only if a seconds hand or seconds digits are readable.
9:29:14
